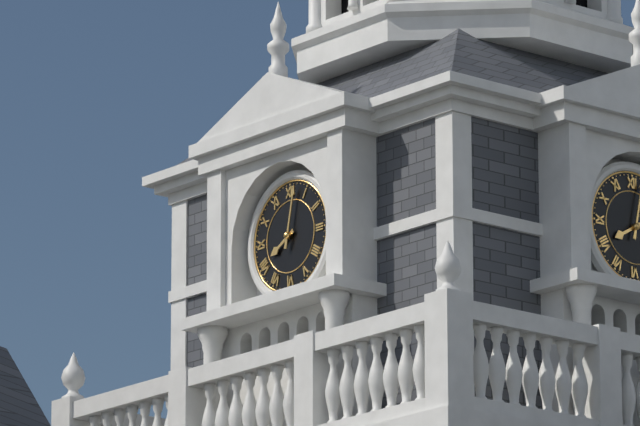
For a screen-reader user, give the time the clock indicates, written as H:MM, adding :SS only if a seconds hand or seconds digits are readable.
8:02
